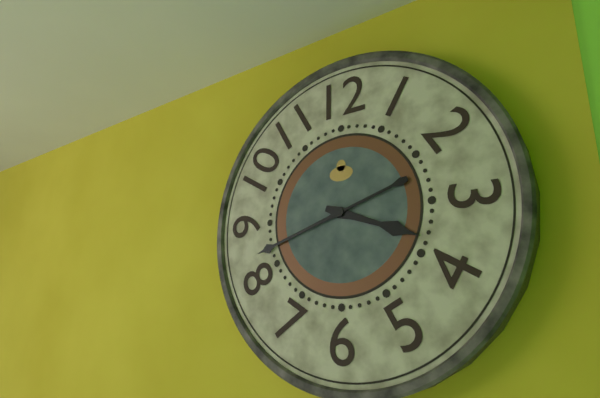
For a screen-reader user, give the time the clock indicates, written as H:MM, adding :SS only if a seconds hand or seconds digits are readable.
3:42
